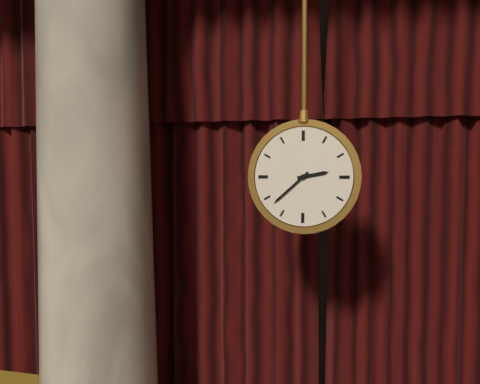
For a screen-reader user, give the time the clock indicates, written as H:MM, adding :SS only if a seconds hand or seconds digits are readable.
2:38
